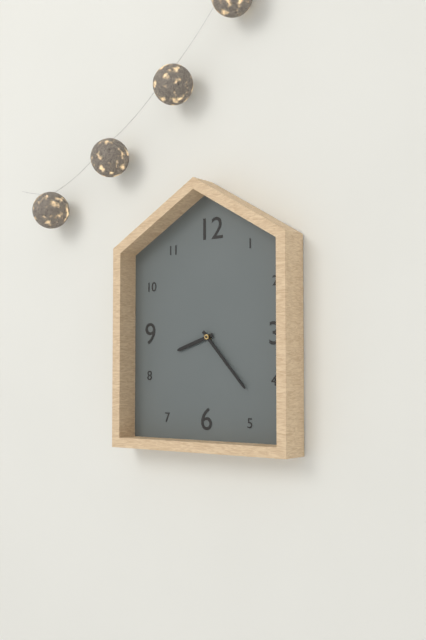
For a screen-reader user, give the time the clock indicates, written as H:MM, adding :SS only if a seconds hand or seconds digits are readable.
8:23
